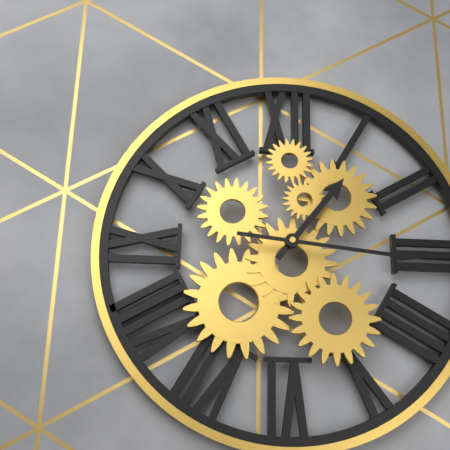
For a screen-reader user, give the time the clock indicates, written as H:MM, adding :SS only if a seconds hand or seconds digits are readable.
1:16
